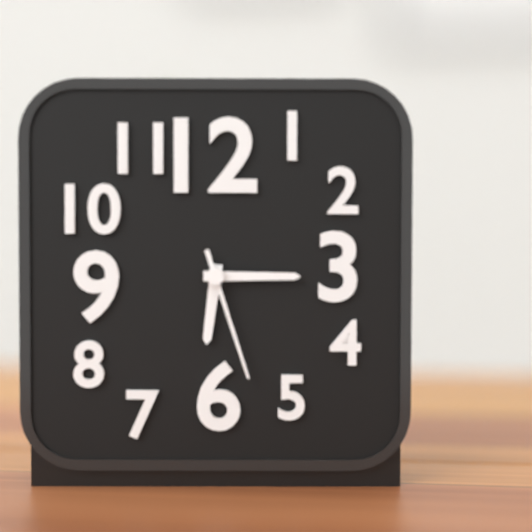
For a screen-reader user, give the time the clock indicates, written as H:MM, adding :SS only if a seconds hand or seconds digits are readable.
6:15:27
